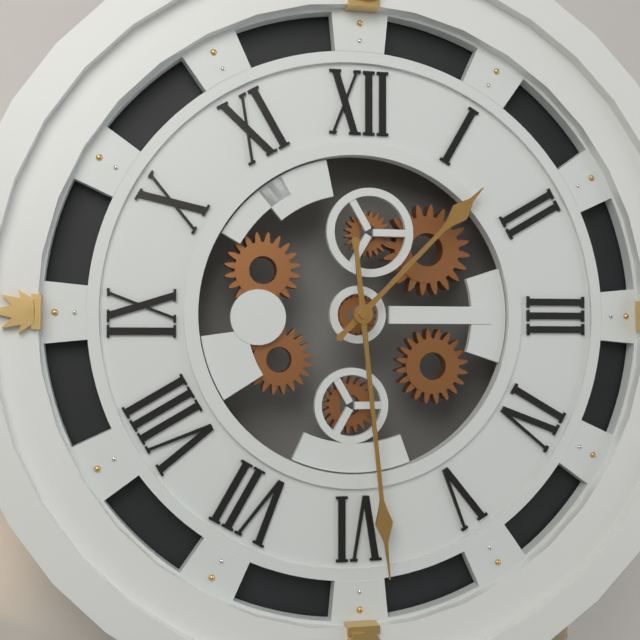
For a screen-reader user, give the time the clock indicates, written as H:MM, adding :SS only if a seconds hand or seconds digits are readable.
1:29
